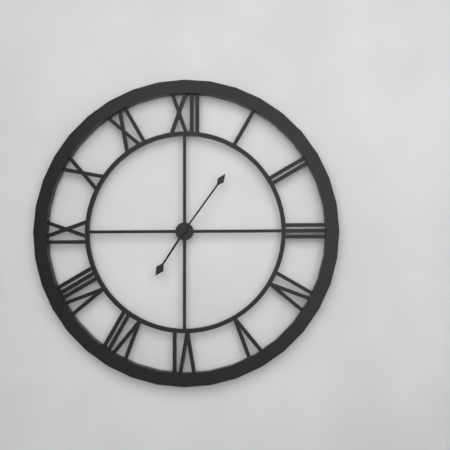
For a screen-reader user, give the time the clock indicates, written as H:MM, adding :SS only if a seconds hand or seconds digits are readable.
7:06
